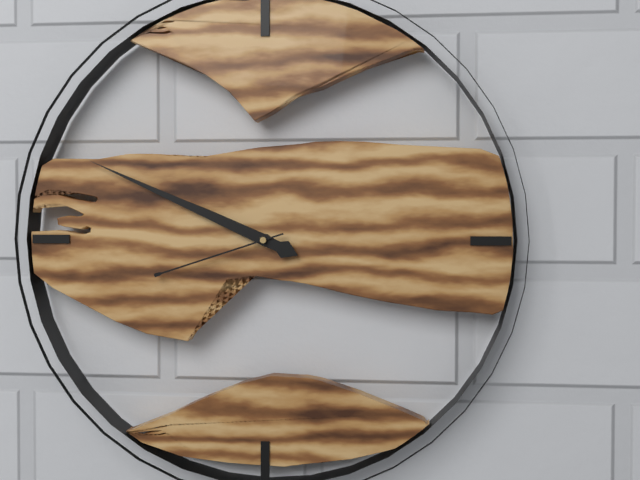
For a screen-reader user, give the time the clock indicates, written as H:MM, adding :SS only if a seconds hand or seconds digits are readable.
9:49:42
